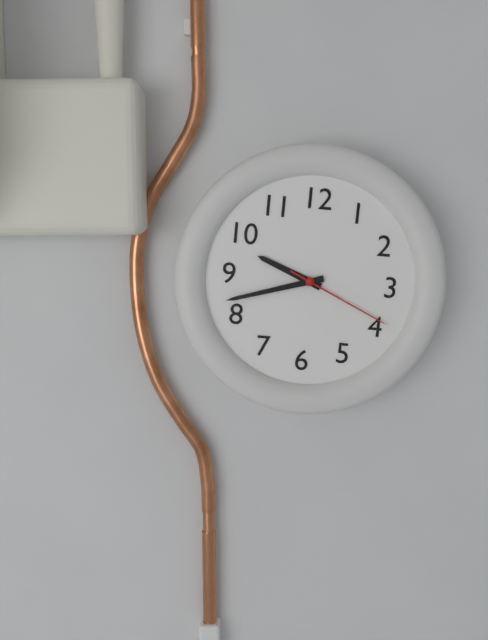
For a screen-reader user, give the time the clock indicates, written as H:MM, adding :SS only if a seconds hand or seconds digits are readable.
9:42:19
